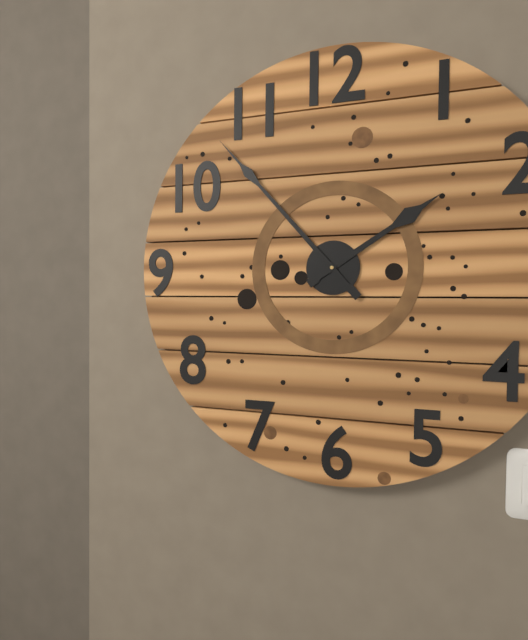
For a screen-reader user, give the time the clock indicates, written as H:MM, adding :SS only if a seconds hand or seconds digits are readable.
1:53
